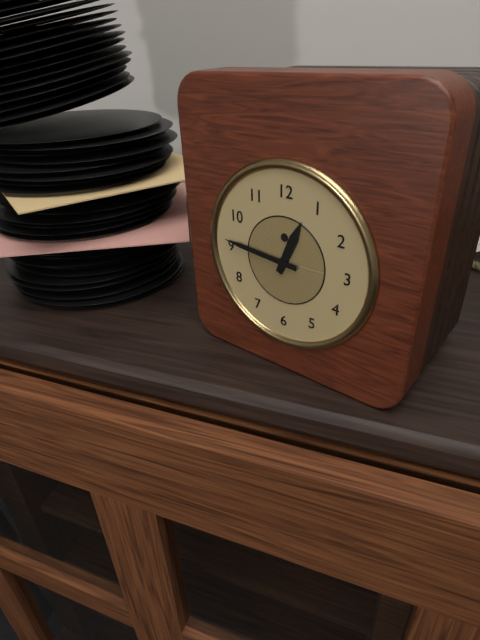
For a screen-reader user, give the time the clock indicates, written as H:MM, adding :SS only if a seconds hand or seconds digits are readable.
12:46
